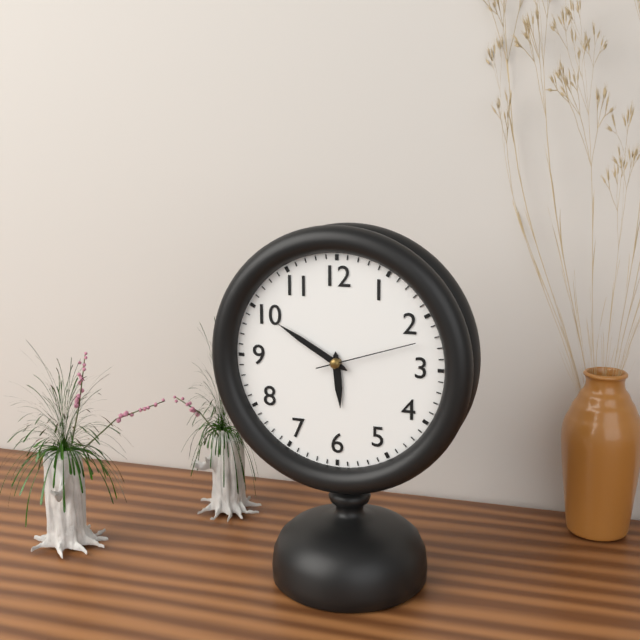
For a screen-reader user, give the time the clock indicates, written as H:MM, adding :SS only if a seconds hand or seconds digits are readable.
5:50:12
